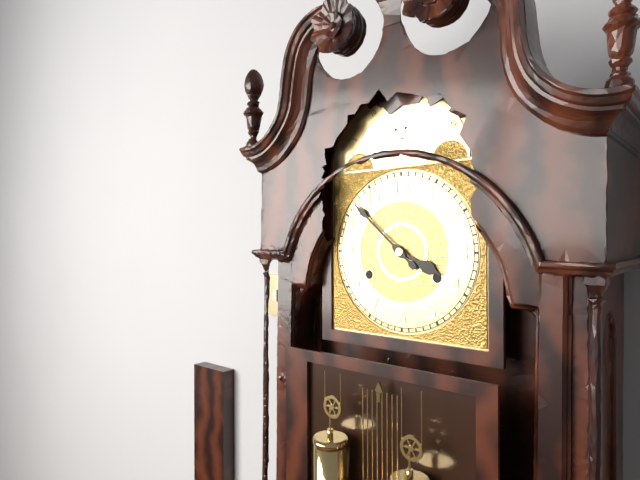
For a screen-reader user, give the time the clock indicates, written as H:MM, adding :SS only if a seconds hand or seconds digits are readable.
3:52
